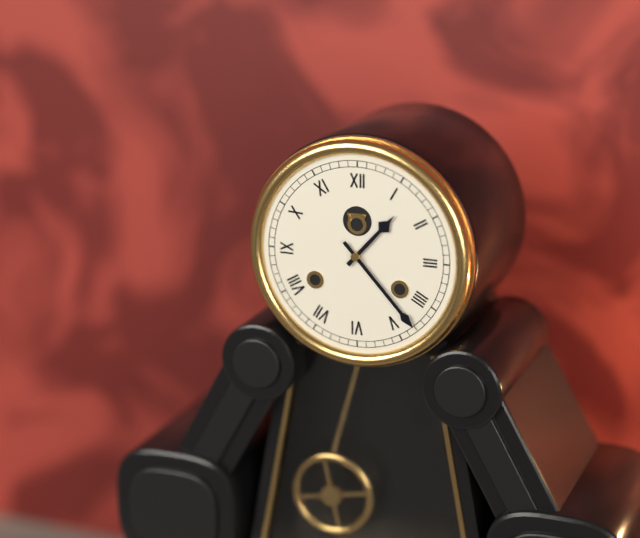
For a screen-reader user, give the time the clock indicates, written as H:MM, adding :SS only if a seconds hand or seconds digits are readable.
1:23
